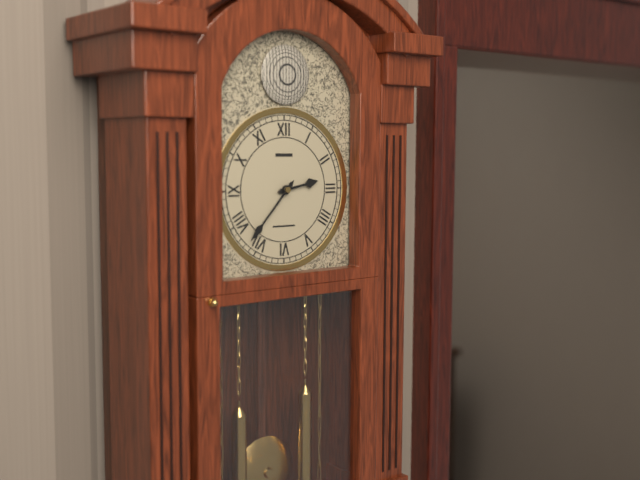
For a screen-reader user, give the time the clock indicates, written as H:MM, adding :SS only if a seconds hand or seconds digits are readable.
2:37
